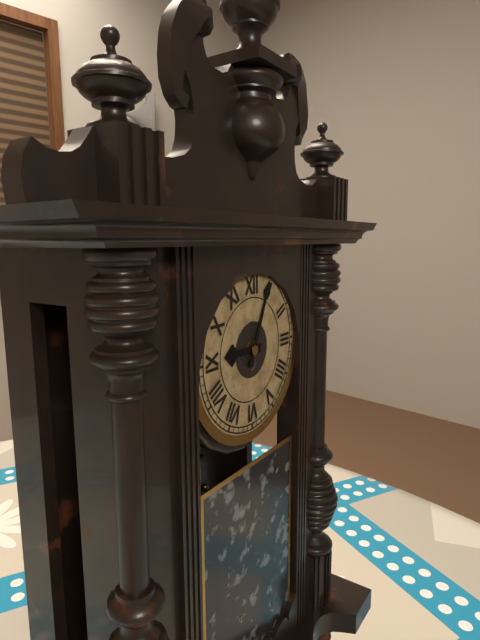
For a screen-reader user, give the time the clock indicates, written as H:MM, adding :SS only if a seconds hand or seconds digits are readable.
9:04
